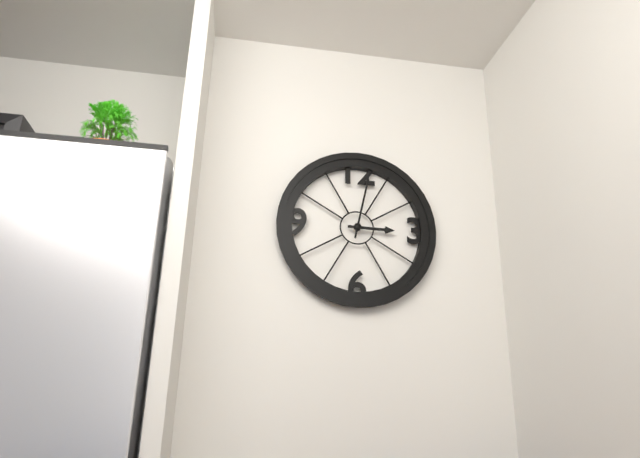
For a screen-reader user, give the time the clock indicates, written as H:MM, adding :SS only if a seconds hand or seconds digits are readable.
3:02
